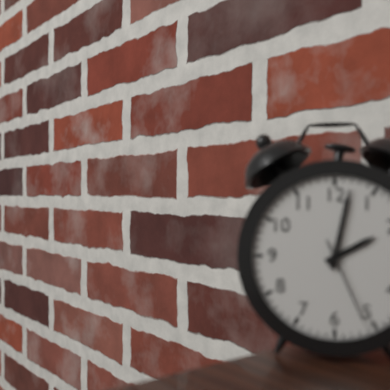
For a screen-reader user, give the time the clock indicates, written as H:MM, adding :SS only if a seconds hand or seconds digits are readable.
2:02:26
